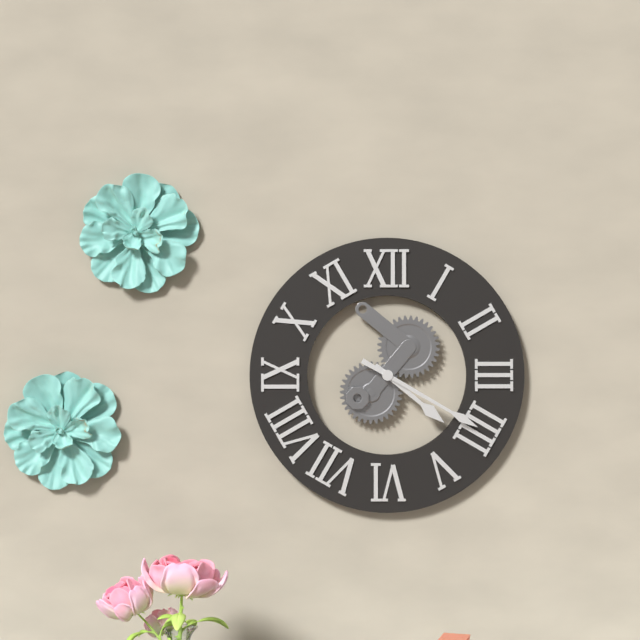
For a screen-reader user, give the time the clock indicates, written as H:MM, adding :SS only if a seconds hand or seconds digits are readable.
4:20
